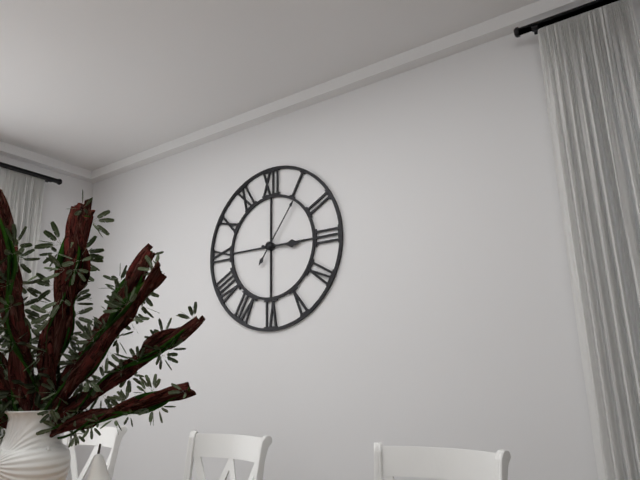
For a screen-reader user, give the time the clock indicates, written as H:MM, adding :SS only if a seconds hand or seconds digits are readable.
3:06
